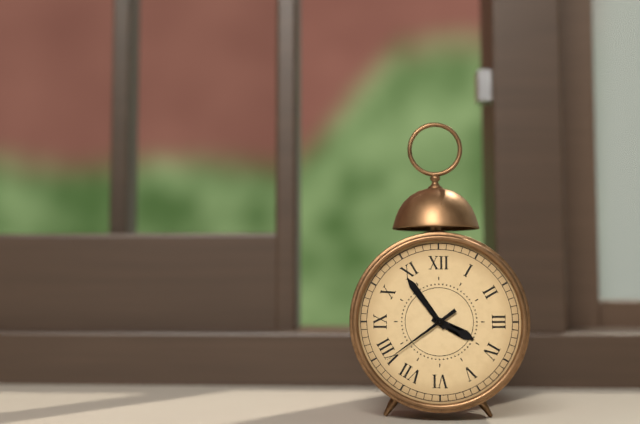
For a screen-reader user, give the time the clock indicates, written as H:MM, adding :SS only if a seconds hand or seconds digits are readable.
3:54:39
